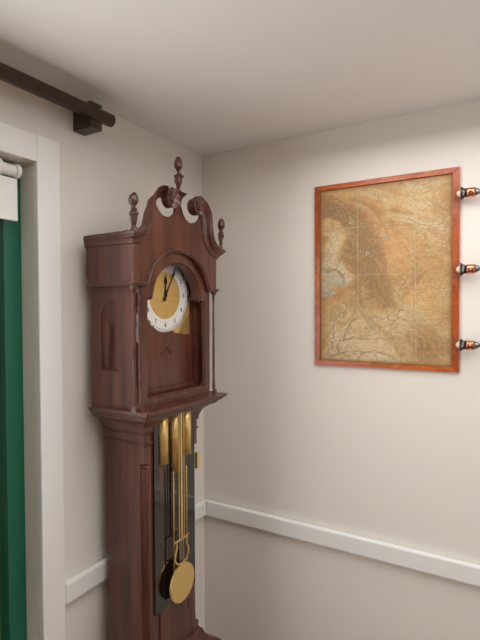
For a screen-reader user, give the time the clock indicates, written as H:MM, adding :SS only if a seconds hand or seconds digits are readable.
12:05
